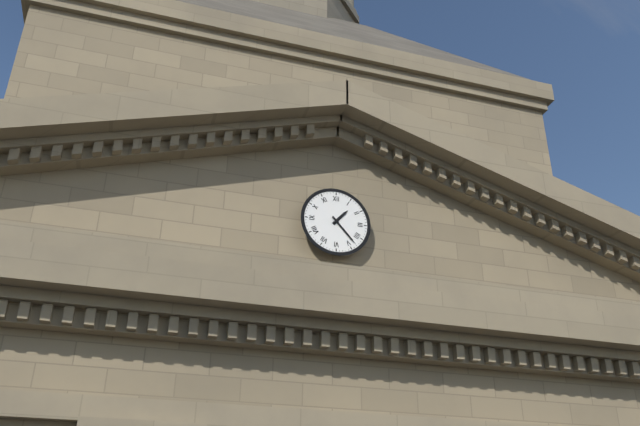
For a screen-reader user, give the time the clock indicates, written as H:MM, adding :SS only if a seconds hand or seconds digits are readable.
1:23
